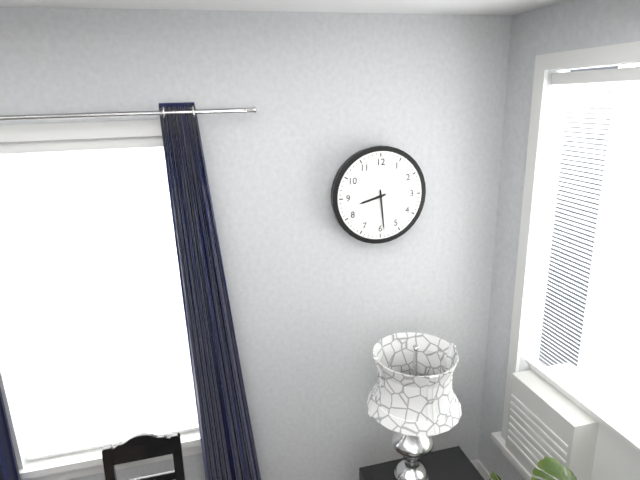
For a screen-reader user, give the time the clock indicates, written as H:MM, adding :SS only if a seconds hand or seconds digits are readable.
8:29
